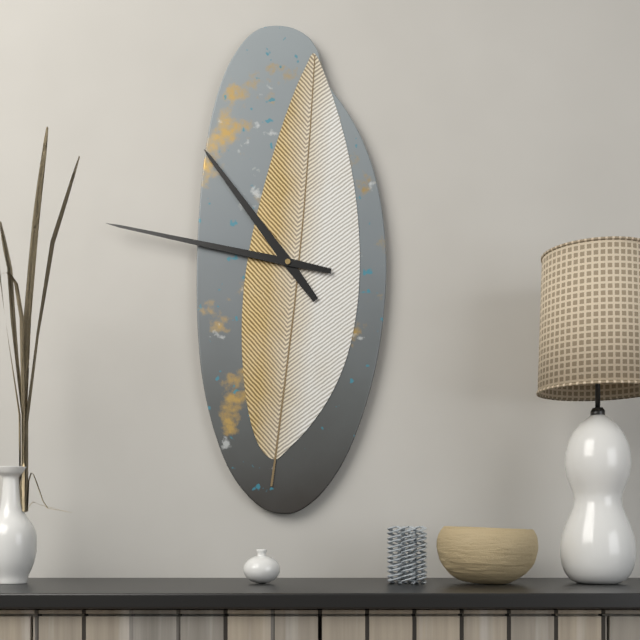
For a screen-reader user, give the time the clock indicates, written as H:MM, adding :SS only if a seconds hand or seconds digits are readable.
10:47
